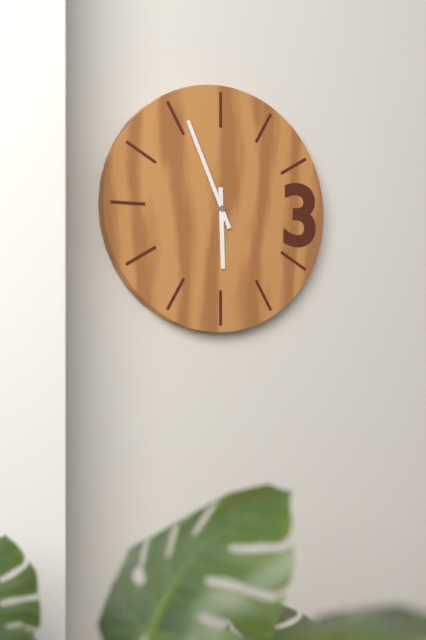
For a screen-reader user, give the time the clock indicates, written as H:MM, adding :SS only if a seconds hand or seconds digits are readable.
5:56
